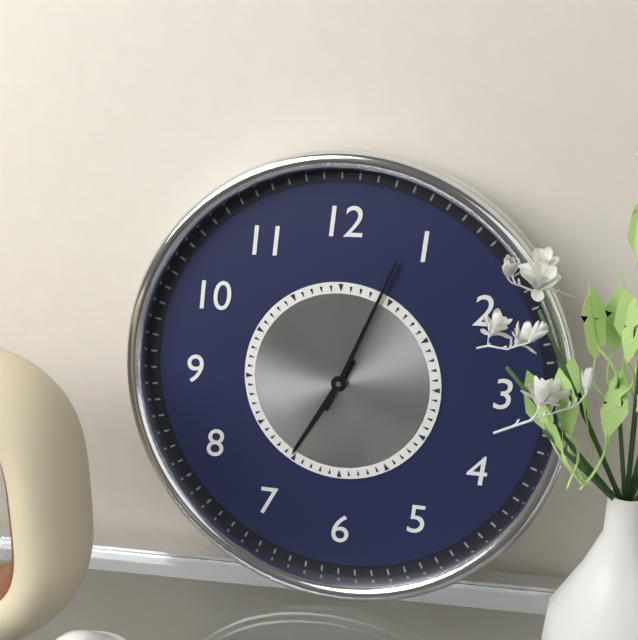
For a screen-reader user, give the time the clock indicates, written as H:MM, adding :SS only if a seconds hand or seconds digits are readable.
7:04
